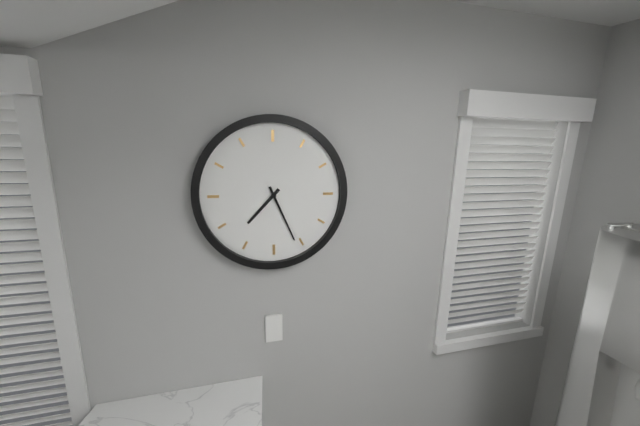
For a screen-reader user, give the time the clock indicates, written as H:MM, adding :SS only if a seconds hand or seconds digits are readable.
7:26
